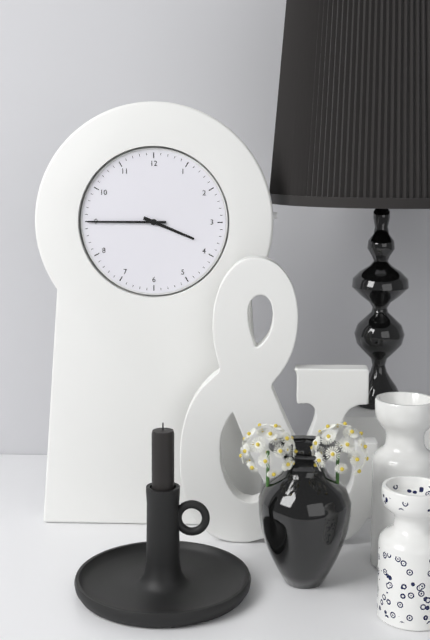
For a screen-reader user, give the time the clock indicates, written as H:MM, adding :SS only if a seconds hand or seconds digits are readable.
3:45
